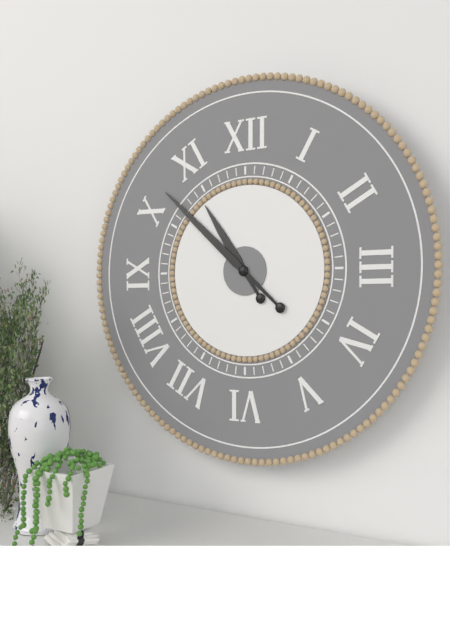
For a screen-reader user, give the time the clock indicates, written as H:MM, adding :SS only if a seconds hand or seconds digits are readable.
10:52
